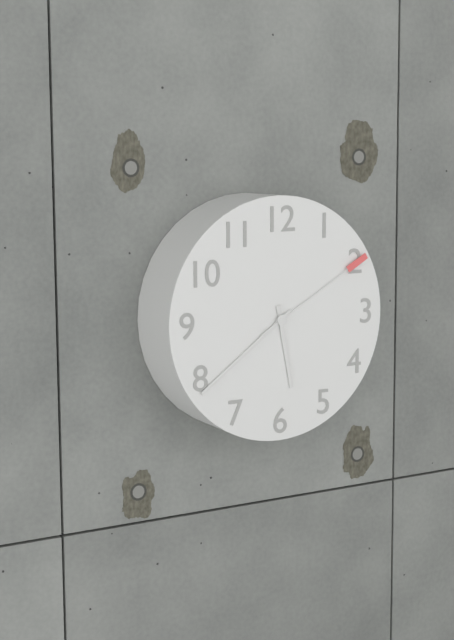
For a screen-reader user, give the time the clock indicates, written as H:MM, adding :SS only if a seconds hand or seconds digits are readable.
5:39:10
